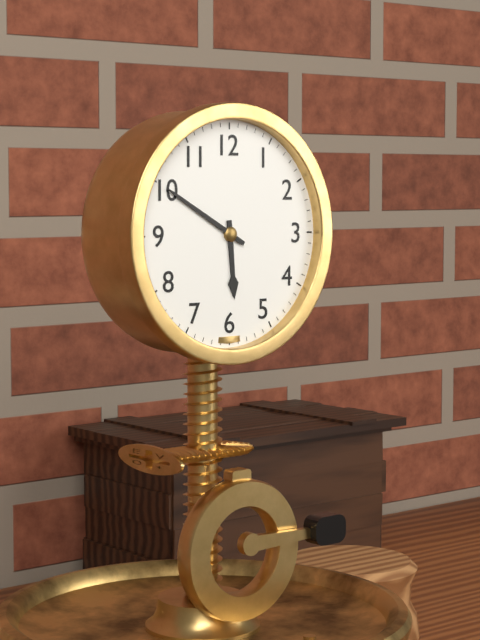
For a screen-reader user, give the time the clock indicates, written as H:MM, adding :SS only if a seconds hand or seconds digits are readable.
5:50
